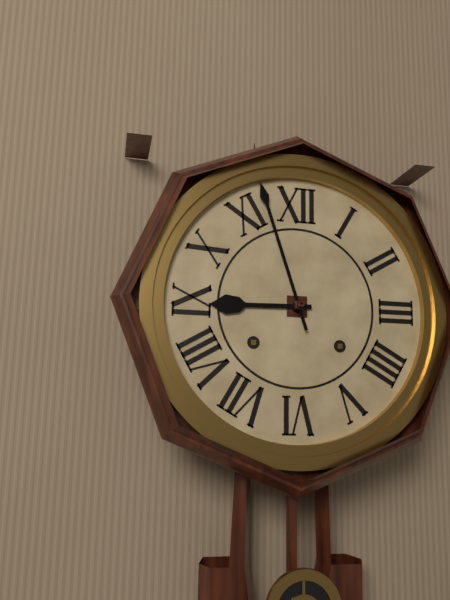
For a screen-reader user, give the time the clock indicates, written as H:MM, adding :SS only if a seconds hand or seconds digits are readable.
8:57
